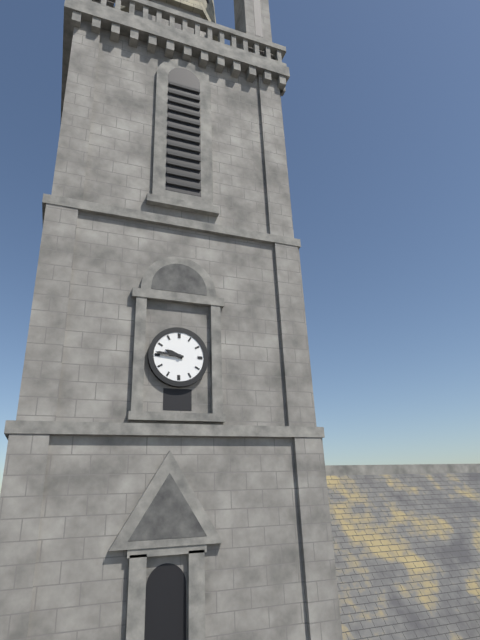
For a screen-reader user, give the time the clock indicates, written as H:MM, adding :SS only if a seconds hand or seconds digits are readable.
9:46
